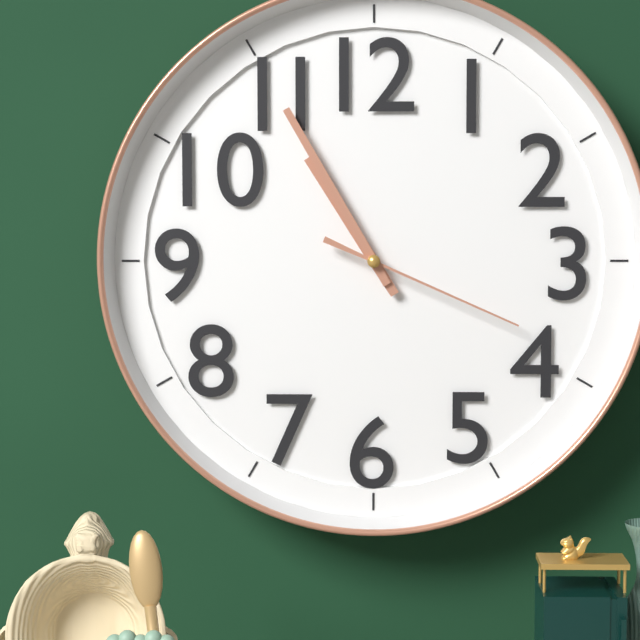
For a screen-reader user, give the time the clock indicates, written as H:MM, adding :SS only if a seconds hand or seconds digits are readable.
10:55:19
